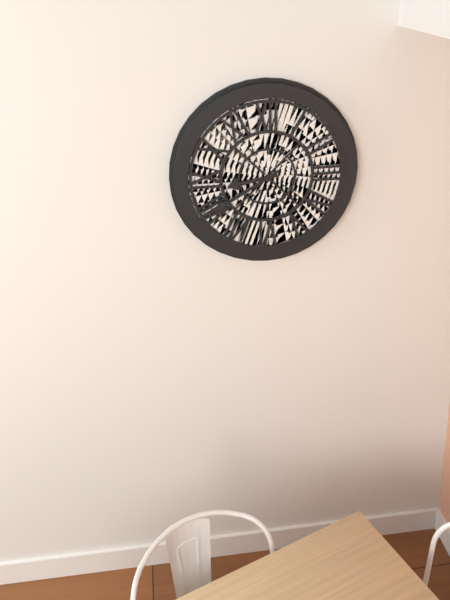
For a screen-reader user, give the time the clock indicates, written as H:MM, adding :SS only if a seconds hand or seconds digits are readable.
8:40
